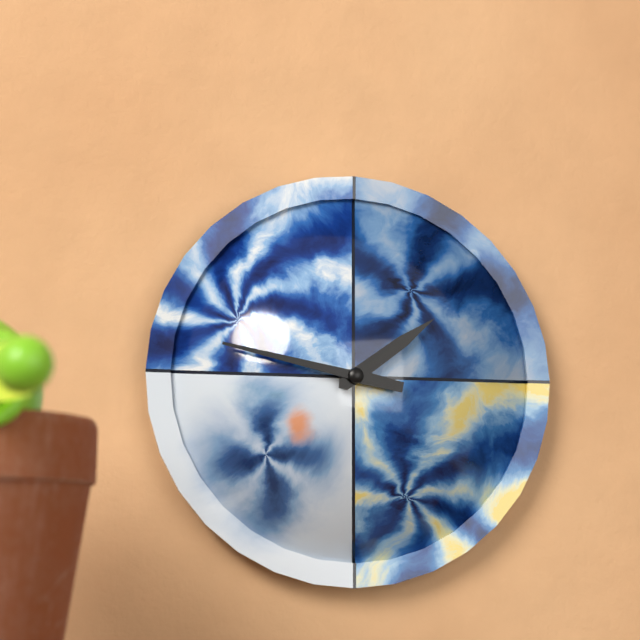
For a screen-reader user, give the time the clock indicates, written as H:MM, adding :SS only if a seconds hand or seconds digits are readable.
1:47
